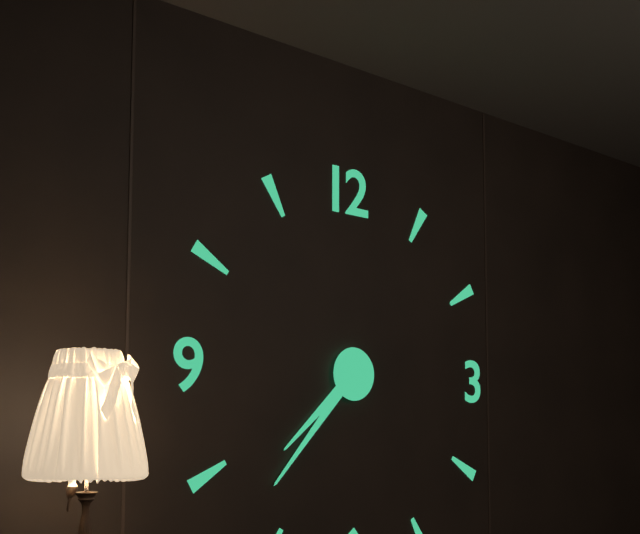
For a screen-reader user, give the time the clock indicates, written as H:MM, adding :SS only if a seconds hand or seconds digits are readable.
7:37
